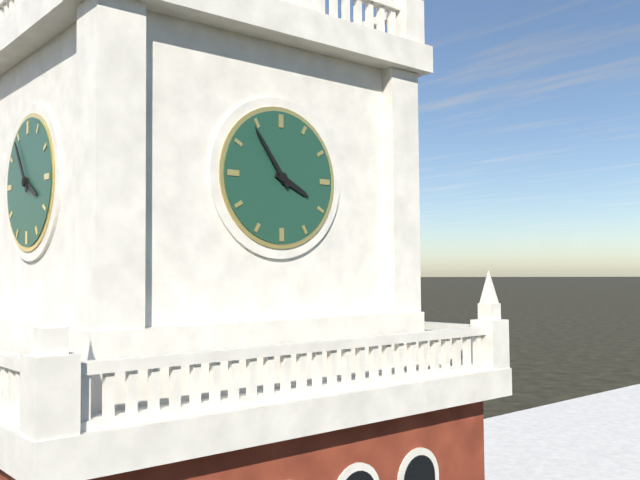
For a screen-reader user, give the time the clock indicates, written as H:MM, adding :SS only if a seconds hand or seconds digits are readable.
3:54
